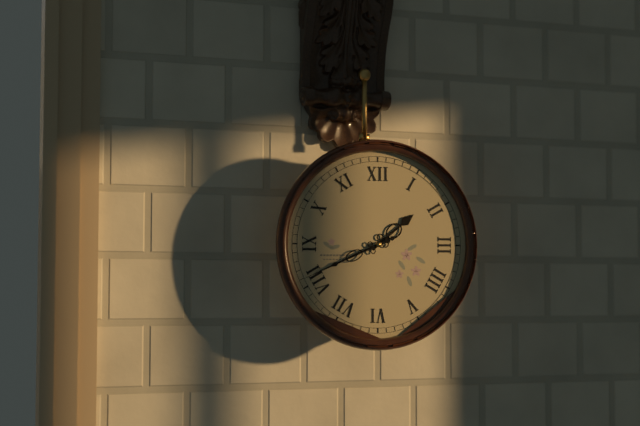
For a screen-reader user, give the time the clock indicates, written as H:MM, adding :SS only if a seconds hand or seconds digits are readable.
1:41:41
